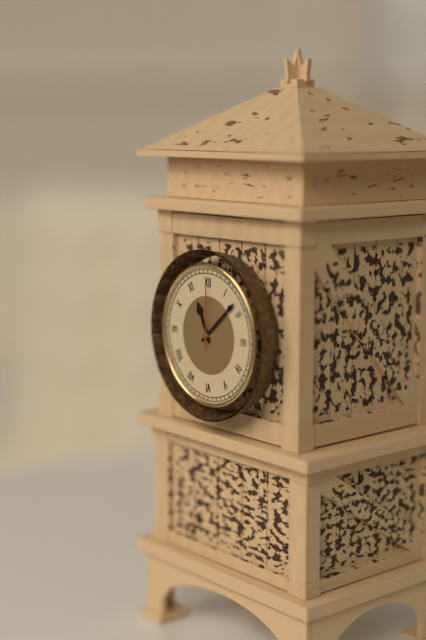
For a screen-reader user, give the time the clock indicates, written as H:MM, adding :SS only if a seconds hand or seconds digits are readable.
11:08:00
